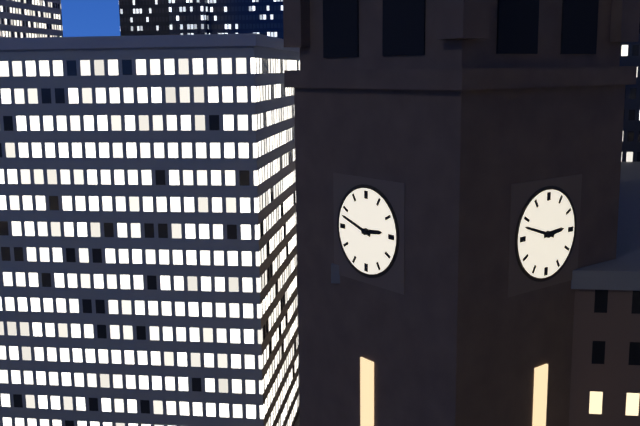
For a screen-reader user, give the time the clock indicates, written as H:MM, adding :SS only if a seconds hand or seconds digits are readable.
2:48
